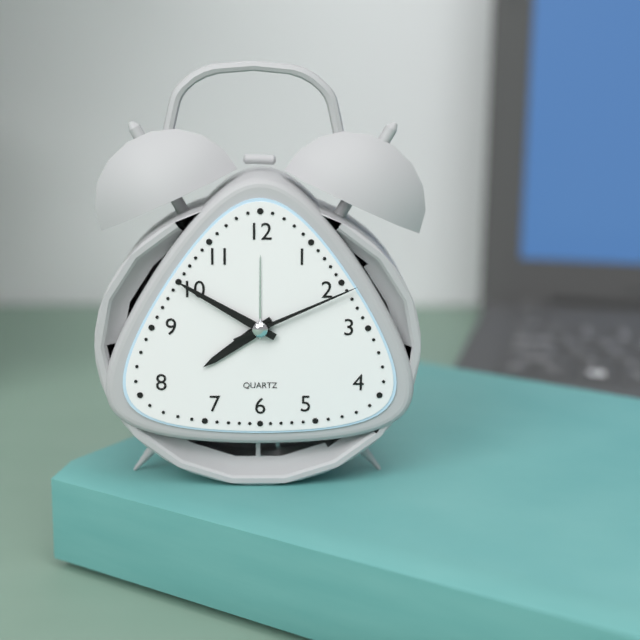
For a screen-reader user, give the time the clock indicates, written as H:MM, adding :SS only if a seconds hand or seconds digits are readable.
7:50:11
